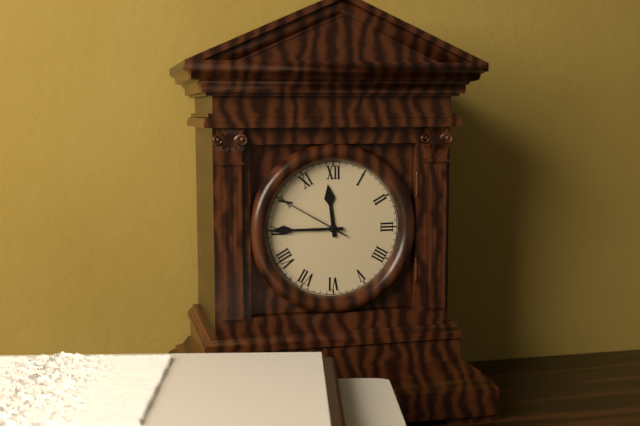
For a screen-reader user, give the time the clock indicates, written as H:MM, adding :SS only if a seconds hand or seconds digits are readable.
11:45:50
